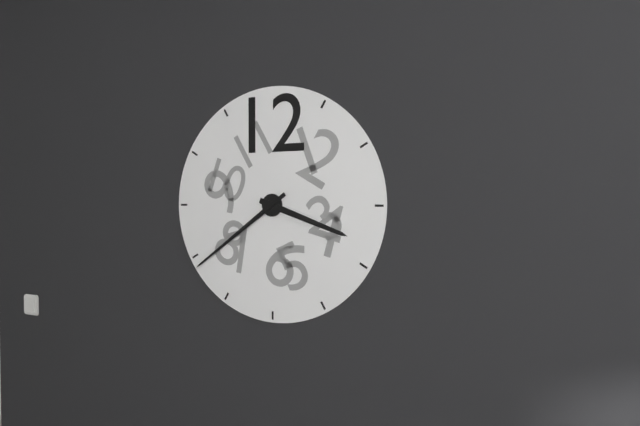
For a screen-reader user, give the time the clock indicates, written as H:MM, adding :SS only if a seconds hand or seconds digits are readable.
3:39
